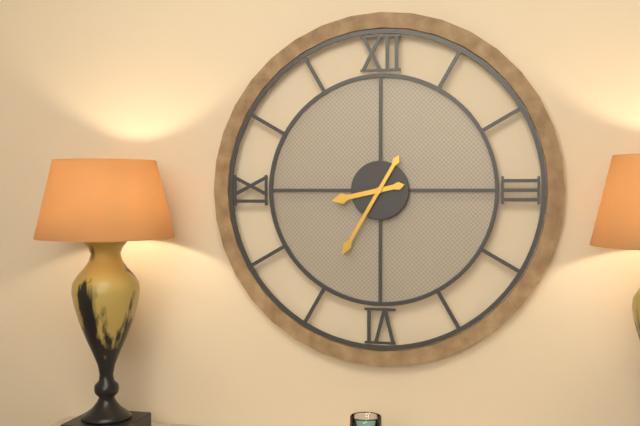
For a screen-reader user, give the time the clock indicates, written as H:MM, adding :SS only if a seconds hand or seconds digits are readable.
8:35
